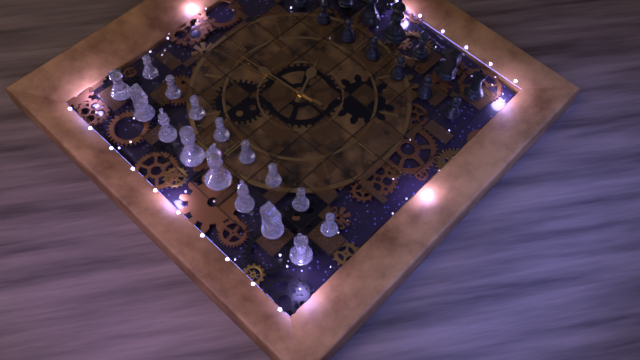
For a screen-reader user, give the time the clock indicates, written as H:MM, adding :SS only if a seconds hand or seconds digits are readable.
5:14:13
